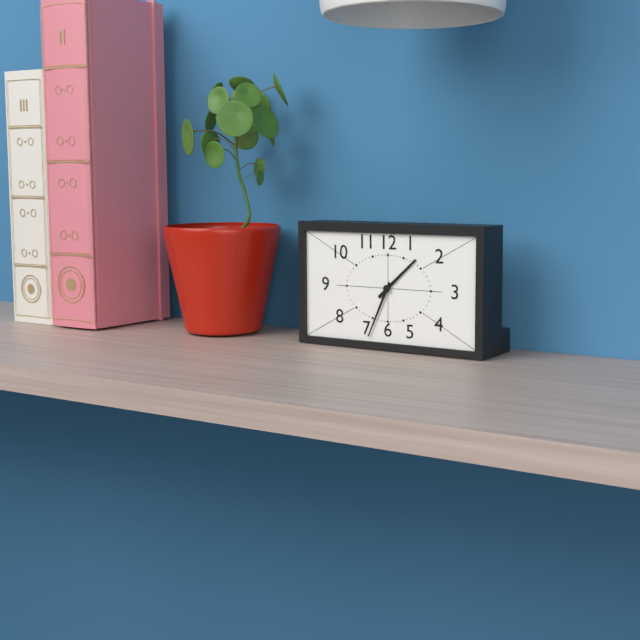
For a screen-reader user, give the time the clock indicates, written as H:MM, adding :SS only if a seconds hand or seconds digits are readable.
1:34
